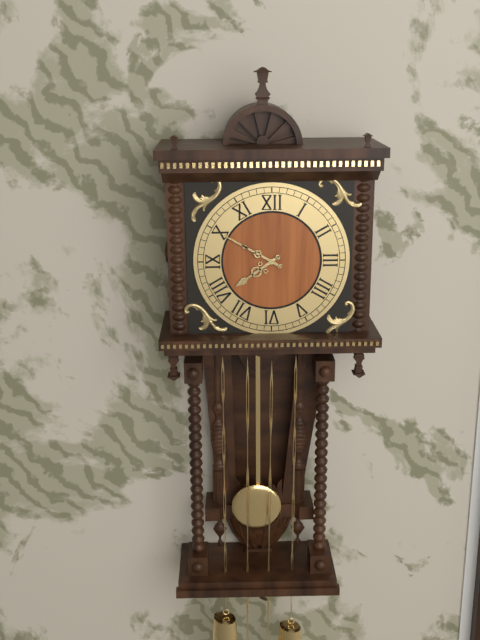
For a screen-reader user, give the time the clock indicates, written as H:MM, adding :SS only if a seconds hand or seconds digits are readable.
7:50
